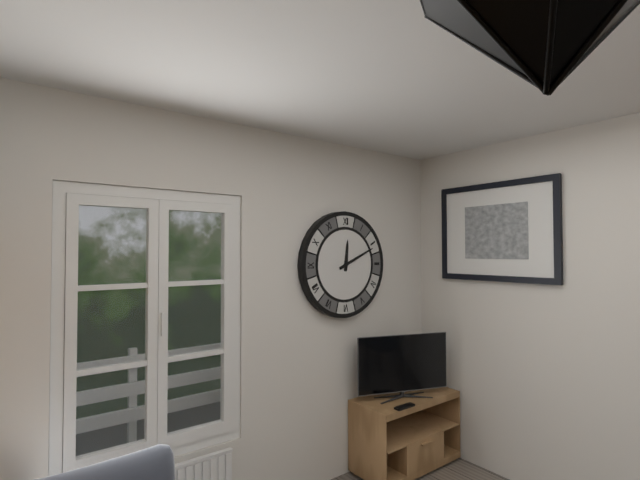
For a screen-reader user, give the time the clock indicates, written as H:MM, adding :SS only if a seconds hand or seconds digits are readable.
12:11
